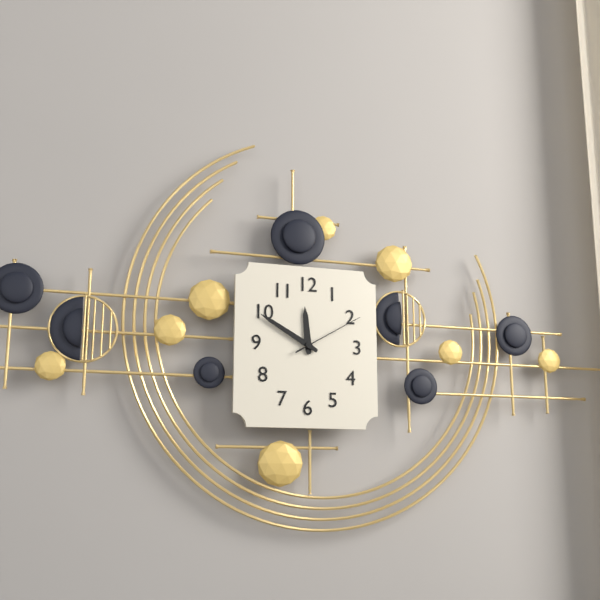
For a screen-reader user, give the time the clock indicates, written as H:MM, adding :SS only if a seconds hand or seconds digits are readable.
11:50:10
